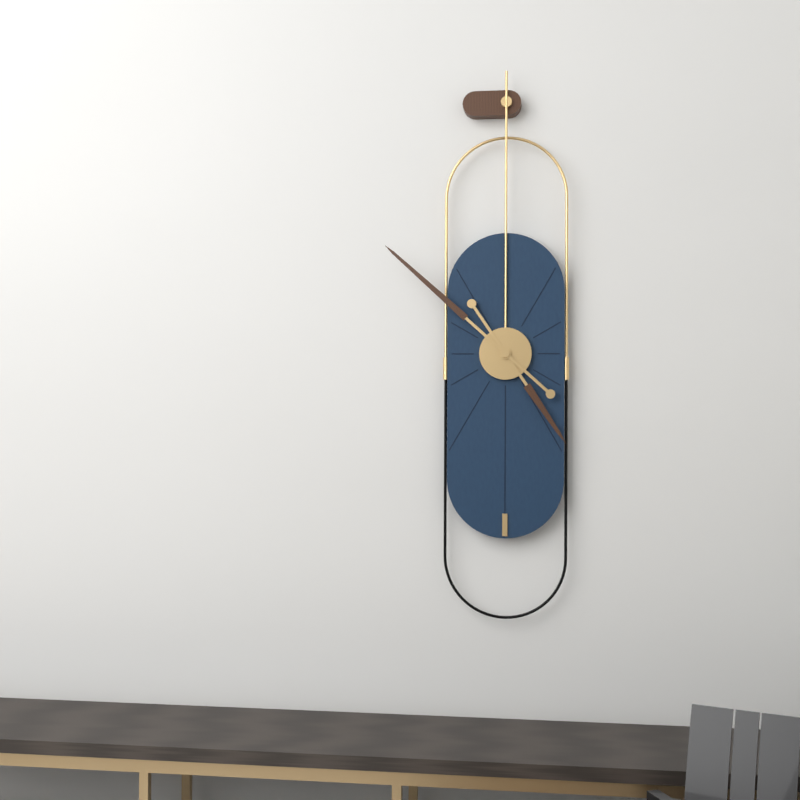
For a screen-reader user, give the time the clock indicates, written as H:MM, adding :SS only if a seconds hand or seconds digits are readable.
4:52
